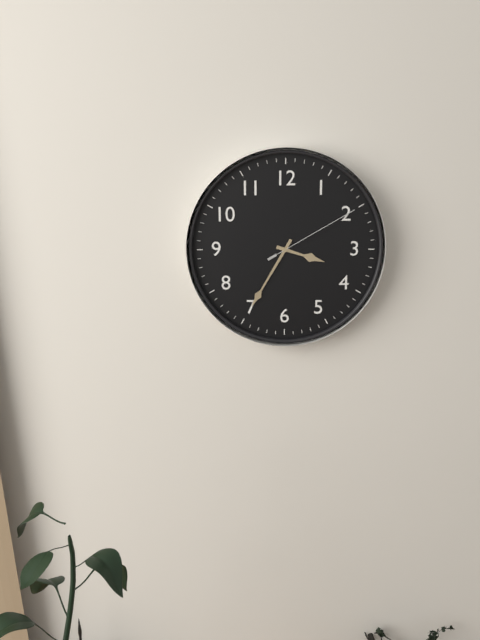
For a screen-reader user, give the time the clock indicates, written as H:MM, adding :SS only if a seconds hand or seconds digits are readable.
3:35:10
